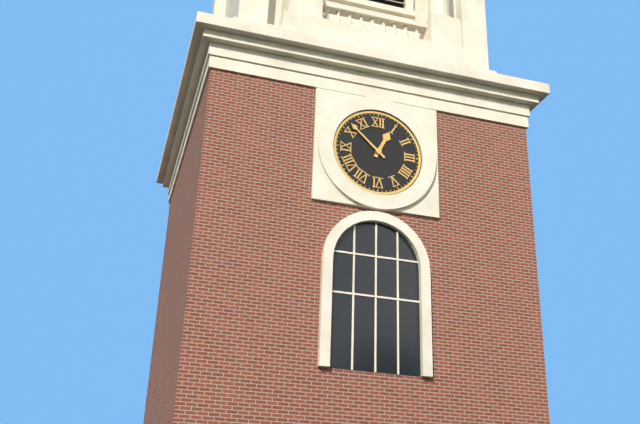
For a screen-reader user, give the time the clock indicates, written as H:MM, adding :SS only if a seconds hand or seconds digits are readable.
12:52
